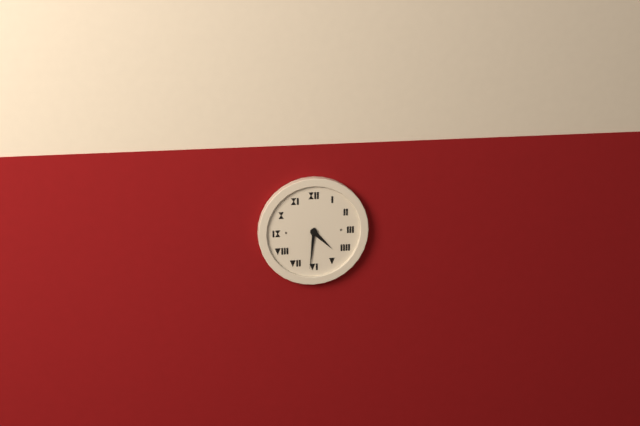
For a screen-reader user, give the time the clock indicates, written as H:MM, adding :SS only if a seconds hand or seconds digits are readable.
4:31
